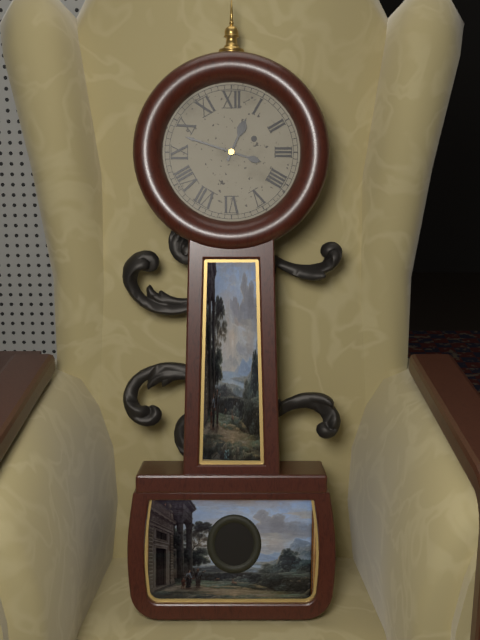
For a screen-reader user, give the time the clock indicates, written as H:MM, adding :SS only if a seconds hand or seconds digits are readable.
12:48
